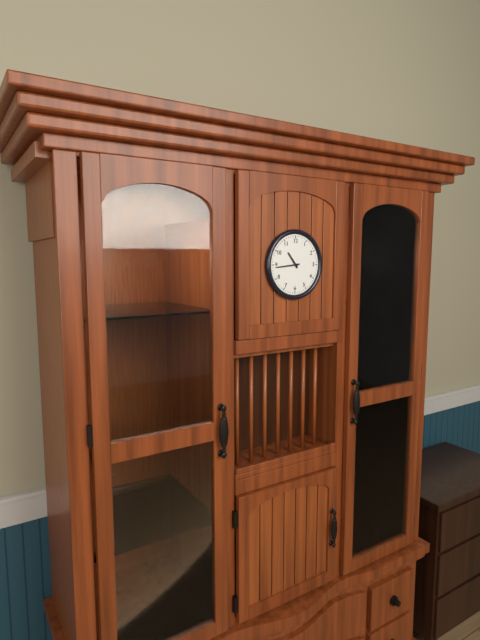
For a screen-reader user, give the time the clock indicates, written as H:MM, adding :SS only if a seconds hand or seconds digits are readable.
10:44
